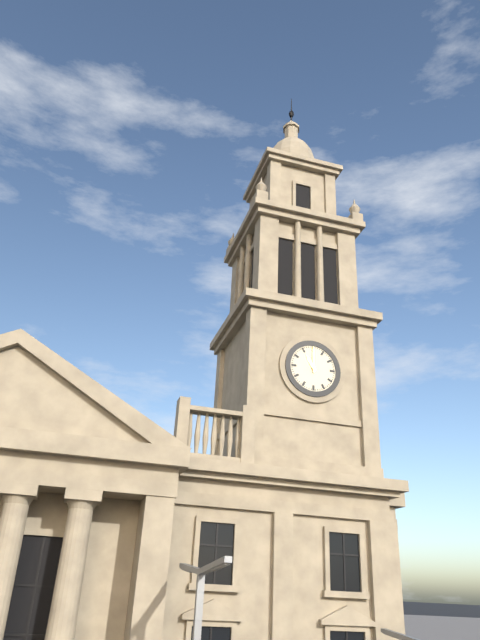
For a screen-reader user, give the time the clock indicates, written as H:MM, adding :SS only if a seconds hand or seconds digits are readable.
11:00
